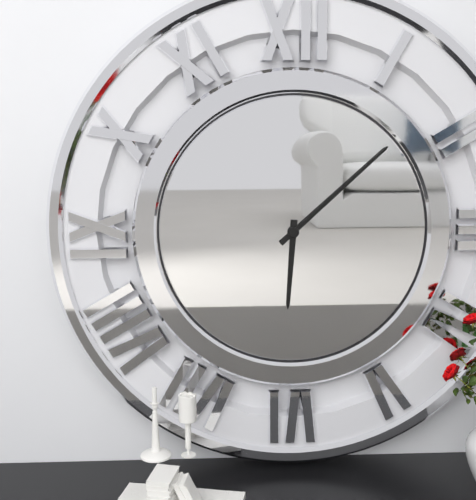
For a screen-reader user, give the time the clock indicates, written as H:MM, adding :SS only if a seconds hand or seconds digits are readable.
6:08
